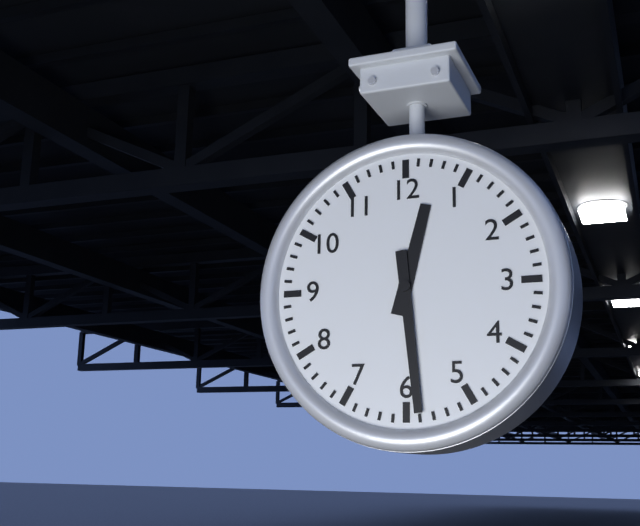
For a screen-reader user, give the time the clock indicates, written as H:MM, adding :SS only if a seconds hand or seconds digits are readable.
12:29
